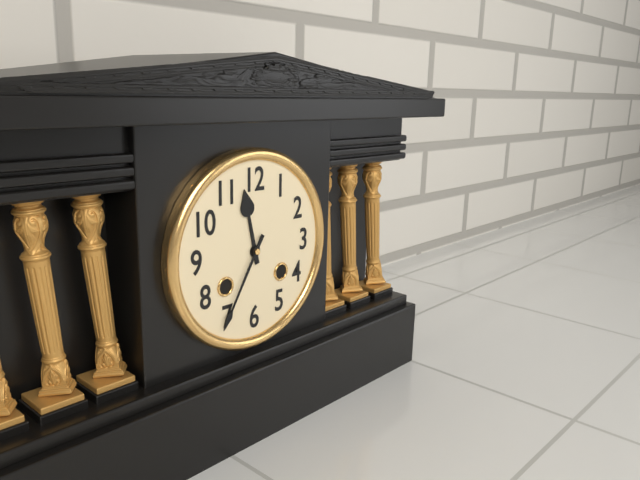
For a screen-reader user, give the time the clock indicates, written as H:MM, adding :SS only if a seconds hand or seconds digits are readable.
11:35
